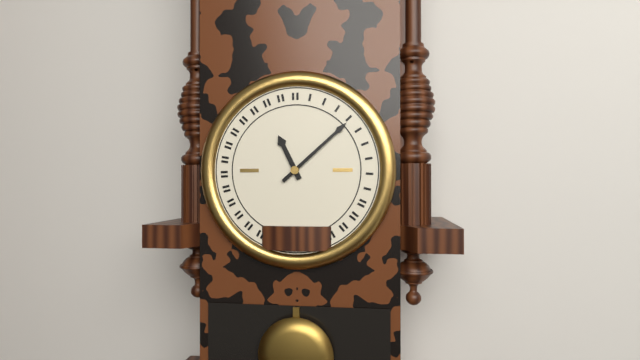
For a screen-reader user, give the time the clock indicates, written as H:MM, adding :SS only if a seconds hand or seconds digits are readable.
11:08
